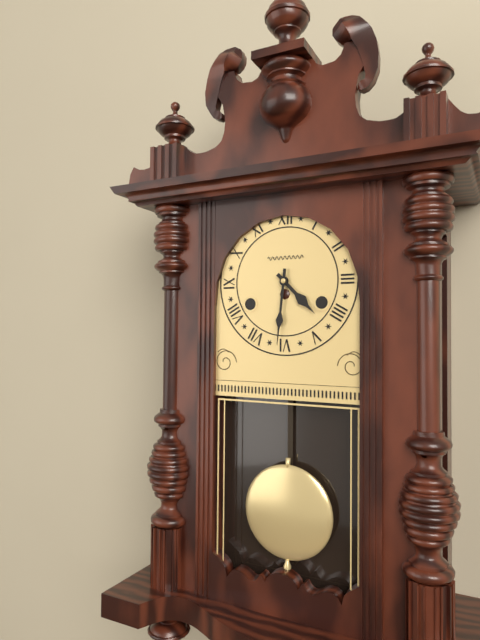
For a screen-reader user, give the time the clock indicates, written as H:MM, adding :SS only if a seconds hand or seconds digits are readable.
4:31
